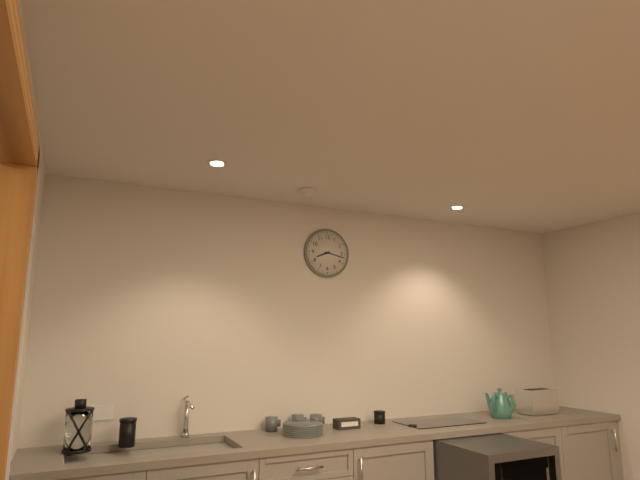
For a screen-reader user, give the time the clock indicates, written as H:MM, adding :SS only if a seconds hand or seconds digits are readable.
8:17
